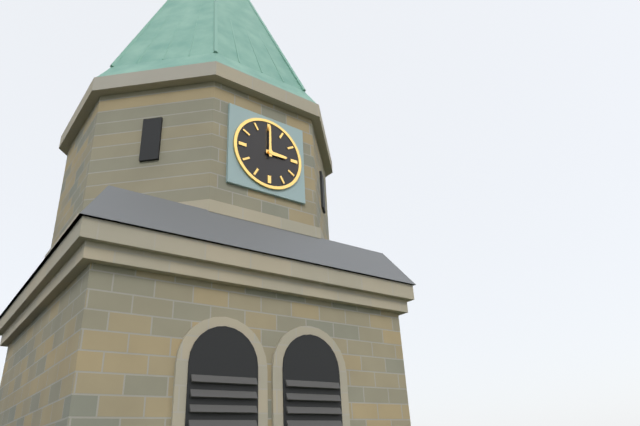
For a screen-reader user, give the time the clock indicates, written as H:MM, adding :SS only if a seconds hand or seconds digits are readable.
3:00
